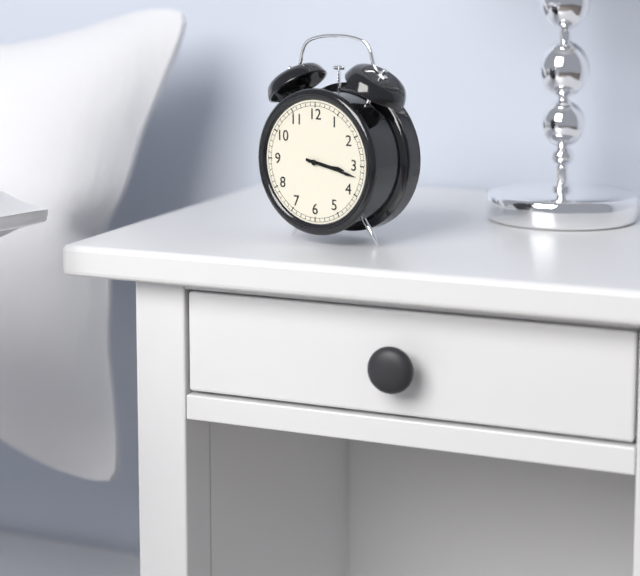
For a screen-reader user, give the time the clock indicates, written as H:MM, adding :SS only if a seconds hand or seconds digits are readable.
3:17
